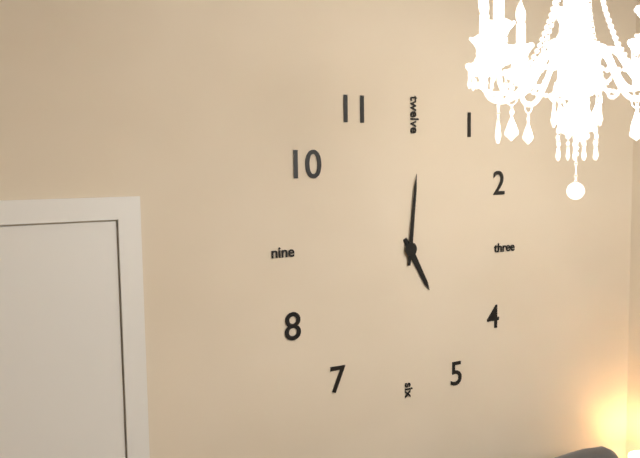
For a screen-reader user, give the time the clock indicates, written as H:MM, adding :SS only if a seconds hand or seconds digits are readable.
5:01
